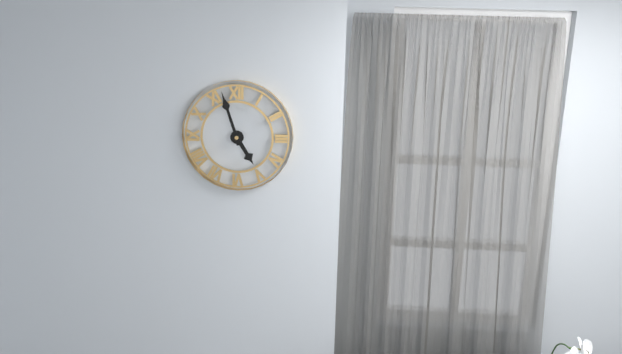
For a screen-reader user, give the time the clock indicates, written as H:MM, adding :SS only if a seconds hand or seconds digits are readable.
4:57
